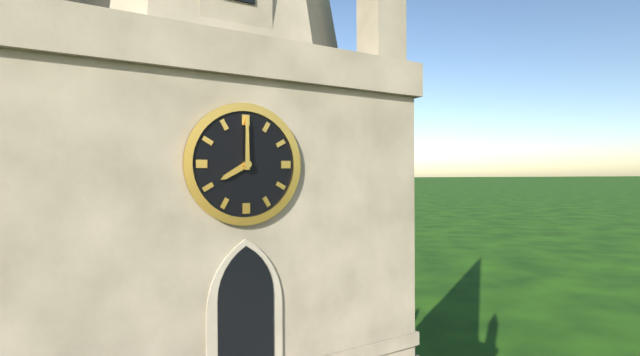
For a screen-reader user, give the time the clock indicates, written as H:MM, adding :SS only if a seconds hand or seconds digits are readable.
8:00
